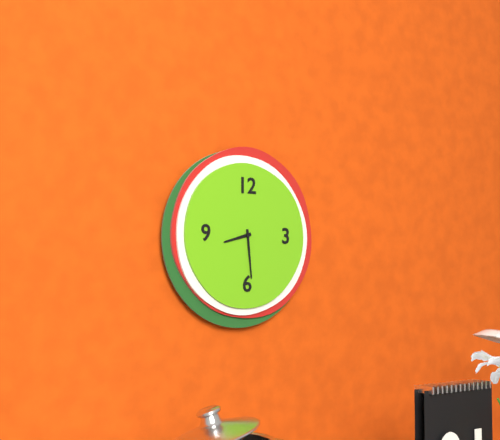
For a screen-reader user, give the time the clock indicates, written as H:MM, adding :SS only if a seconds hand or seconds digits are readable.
8:29
